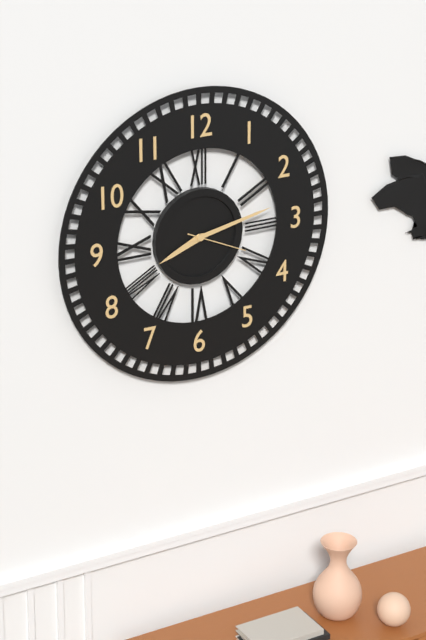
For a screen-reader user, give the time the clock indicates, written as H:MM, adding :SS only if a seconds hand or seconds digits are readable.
8:13:19
